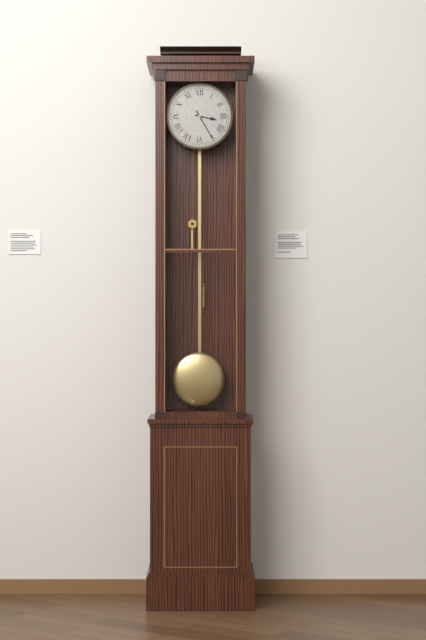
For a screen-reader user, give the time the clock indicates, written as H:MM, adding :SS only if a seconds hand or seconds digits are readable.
3:25
